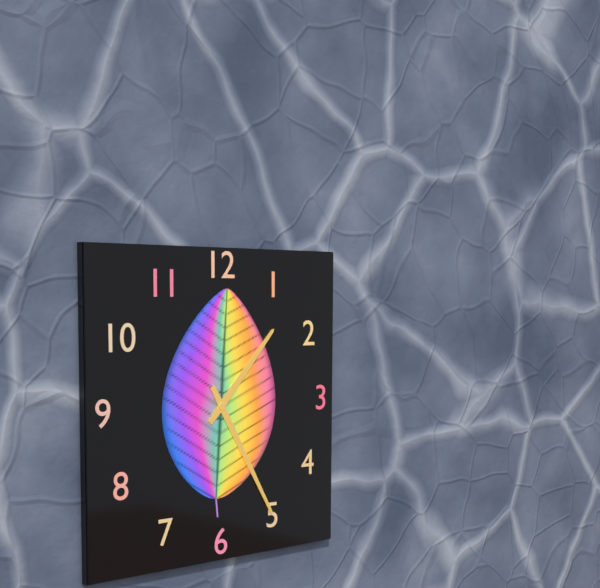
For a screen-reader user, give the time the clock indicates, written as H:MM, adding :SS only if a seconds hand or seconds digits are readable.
1:25
